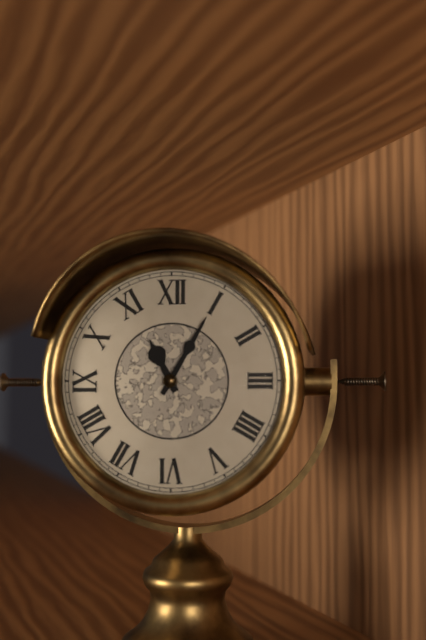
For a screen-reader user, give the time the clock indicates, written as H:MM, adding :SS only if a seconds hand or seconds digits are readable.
11:05
